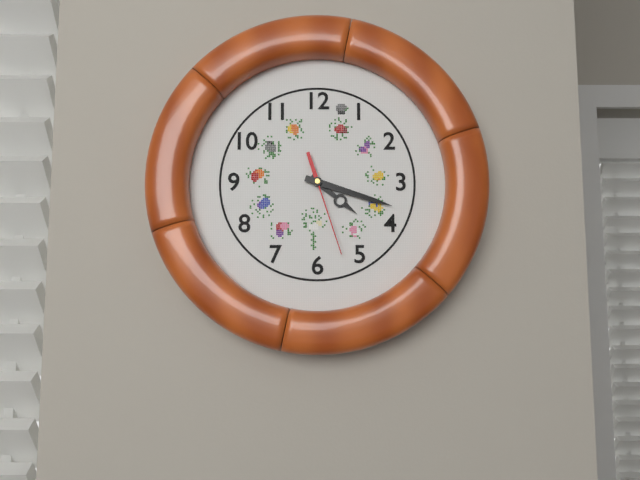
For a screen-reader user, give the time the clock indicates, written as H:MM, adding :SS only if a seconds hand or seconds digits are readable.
4:18:27
